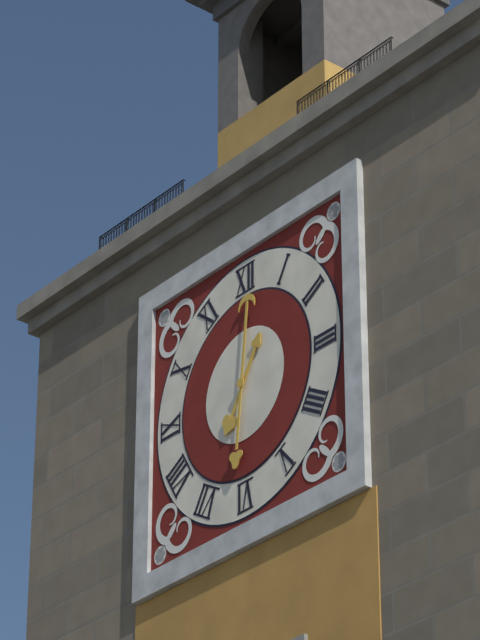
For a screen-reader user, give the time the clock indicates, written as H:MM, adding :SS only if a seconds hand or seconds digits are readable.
7:01
